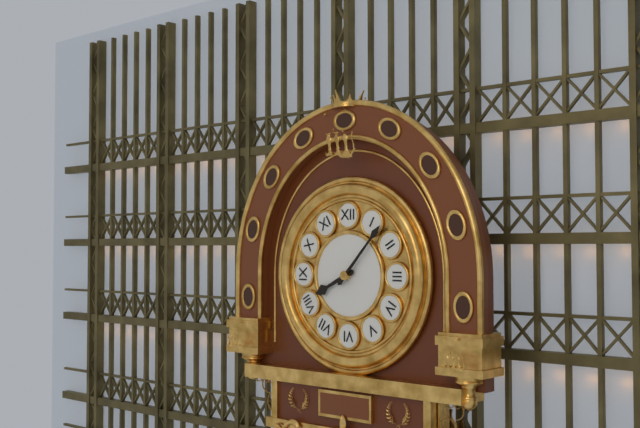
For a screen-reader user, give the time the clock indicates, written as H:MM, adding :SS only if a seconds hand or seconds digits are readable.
8:07
